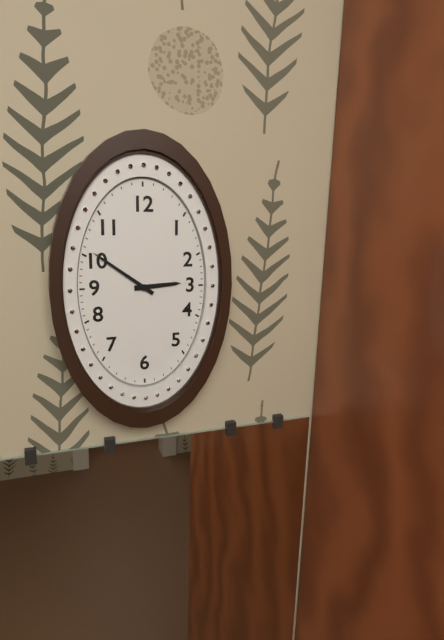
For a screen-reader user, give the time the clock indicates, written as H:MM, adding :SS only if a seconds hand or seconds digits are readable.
2:51
